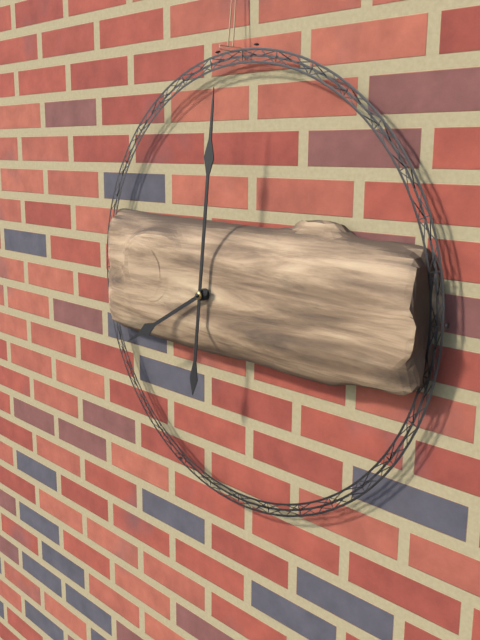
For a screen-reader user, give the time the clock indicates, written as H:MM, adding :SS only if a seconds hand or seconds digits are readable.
8:01
